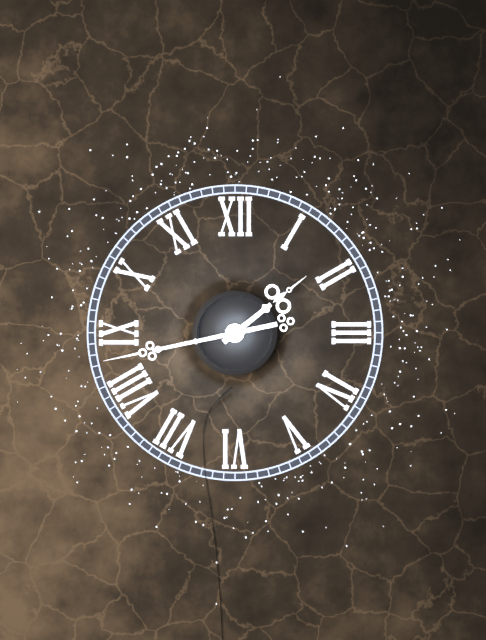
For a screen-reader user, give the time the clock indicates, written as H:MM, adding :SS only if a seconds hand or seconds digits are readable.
1:43
